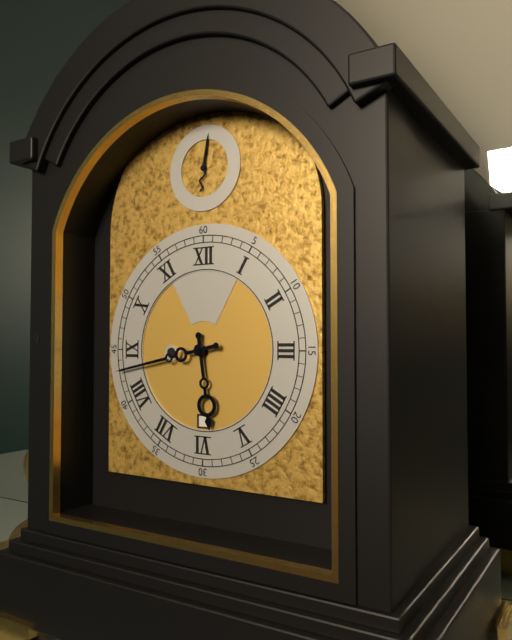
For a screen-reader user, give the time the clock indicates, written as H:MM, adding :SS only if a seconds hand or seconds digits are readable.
5:43
